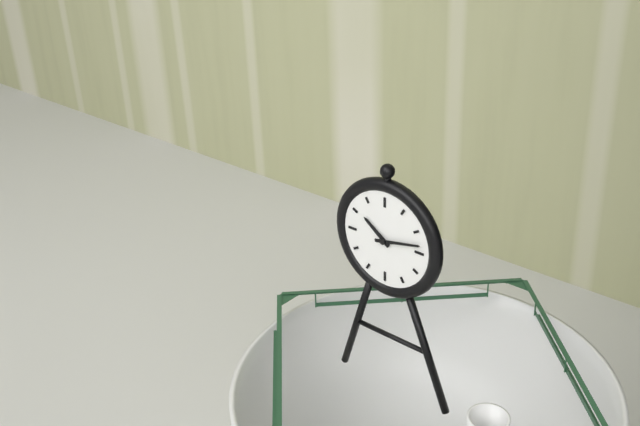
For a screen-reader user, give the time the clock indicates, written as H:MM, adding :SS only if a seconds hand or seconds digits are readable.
10:13
